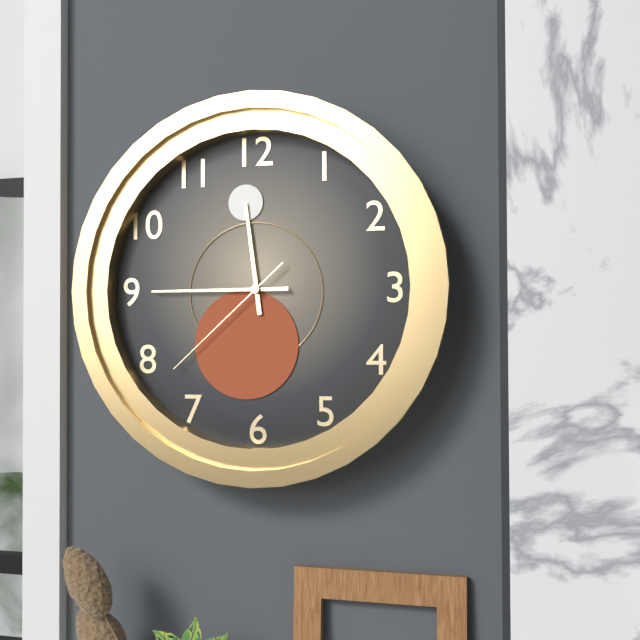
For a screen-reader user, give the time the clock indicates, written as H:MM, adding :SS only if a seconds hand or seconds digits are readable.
11:45:38
